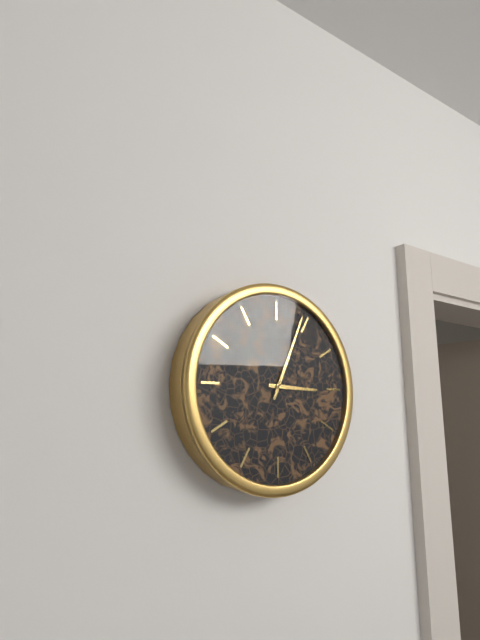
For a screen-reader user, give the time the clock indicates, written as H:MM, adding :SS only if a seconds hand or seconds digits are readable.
3:04
